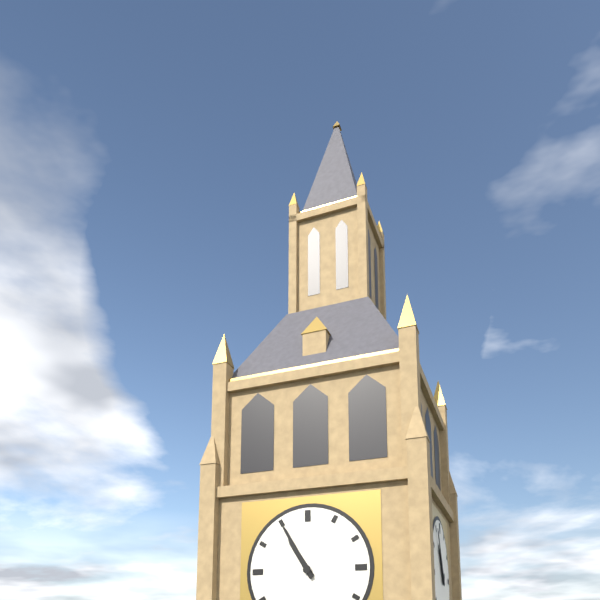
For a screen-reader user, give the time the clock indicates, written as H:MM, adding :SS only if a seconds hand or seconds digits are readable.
10:55
